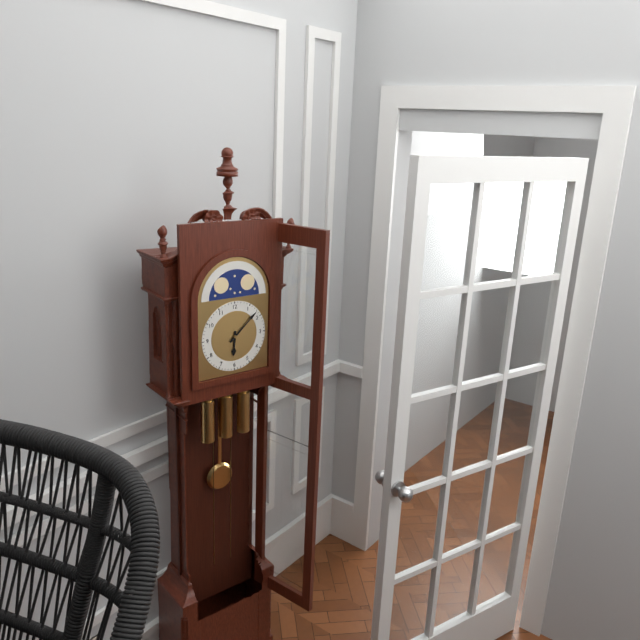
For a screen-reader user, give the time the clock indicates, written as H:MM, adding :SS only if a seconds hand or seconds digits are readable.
6:08
